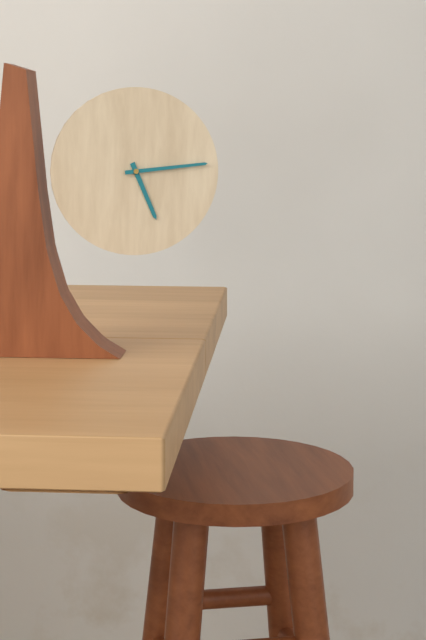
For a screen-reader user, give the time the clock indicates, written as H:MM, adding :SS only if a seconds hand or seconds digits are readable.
5:14
